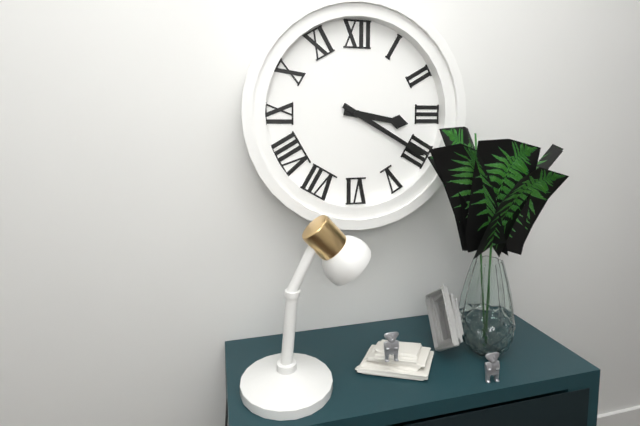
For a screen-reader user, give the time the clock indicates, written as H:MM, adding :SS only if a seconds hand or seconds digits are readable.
3:20
